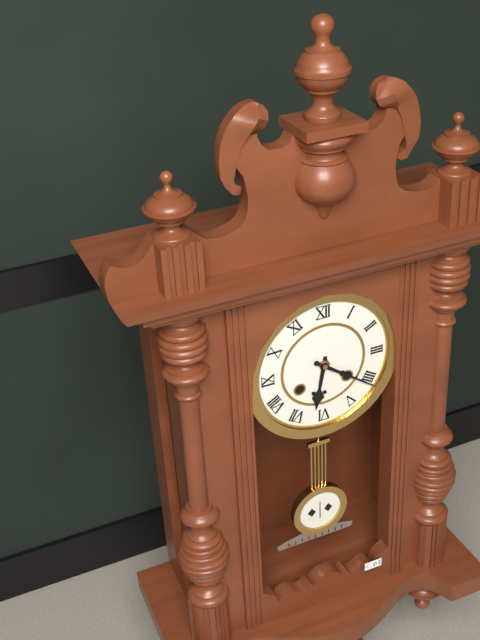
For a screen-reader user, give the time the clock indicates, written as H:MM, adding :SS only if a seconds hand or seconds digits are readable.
6:21
